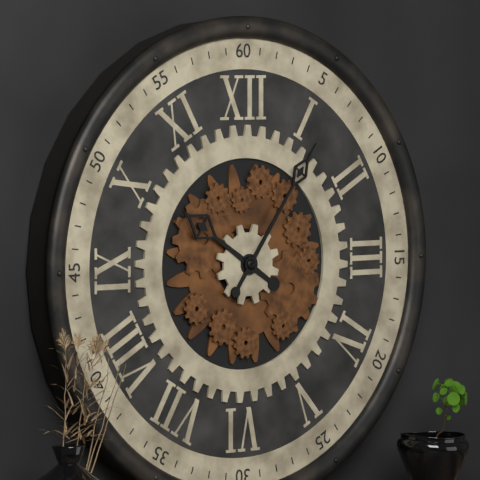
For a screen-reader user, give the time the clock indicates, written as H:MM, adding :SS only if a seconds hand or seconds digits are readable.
10:06
